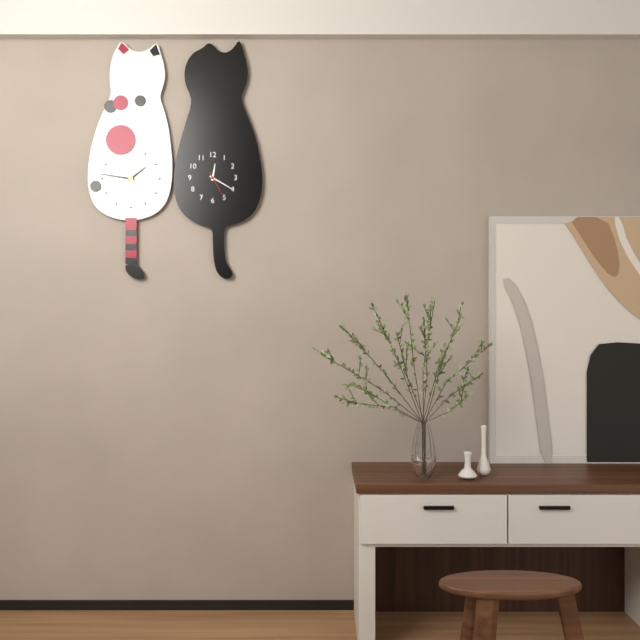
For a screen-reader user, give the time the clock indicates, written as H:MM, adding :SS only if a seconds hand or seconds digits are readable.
12:20
